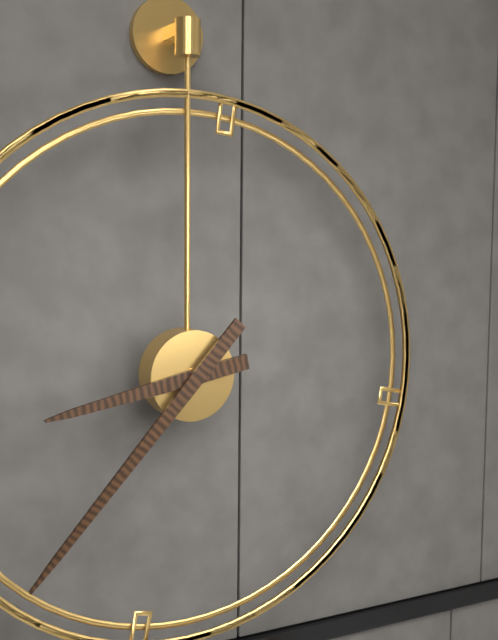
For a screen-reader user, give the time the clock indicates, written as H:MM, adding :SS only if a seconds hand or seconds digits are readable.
8:37
